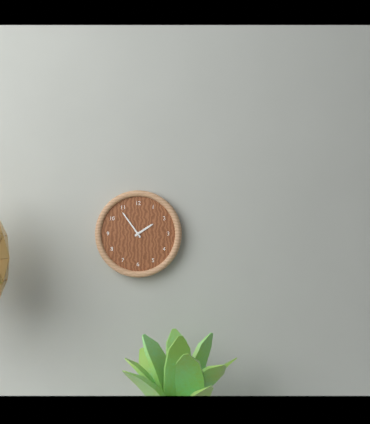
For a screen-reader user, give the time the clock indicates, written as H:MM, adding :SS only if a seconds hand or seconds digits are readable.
1:54
